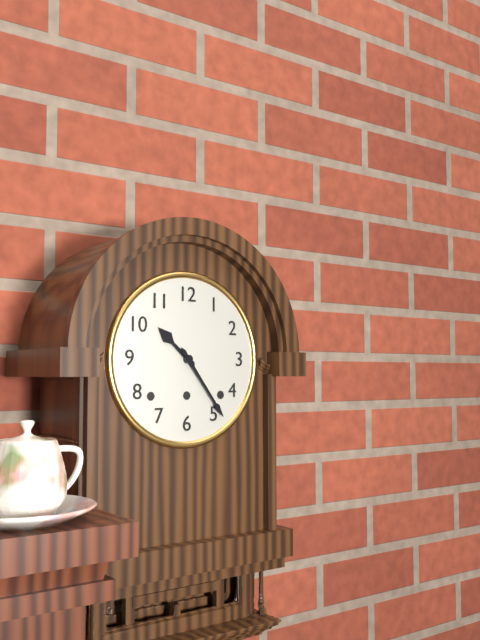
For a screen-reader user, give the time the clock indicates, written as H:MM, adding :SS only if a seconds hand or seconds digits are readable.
10:24
